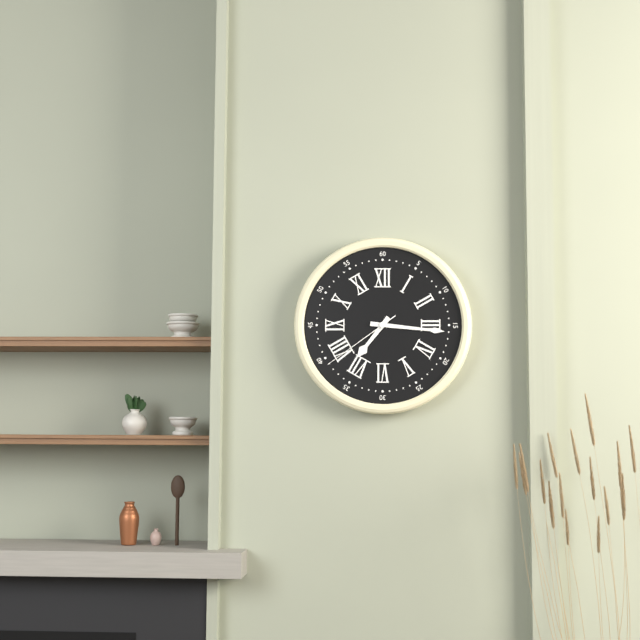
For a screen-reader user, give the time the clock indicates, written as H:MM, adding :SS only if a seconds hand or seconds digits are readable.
7:16:39
